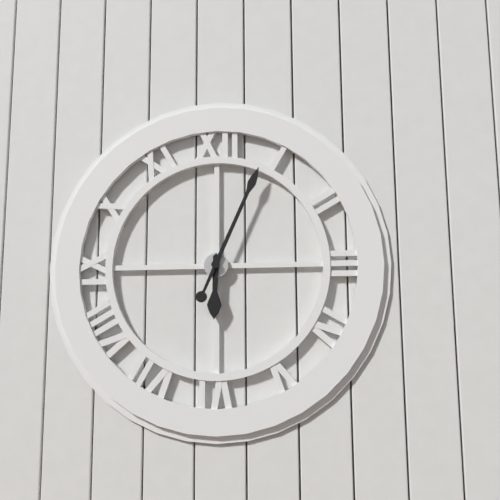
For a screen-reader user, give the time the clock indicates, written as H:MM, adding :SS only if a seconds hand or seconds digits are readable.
6:04
